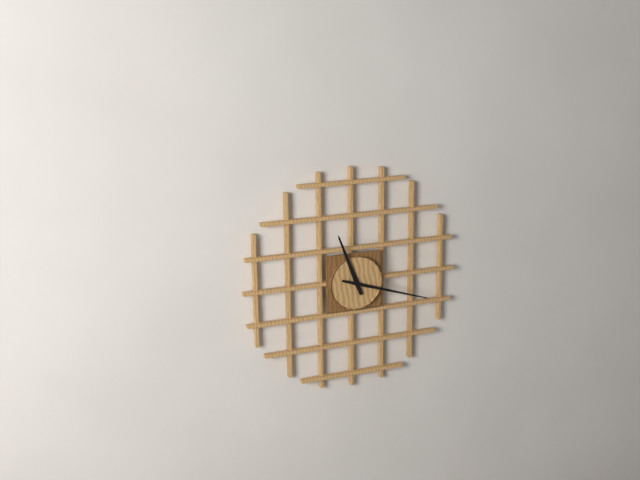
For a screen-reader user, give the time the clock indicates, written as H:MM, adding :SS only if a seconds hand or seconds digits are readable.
11:18
